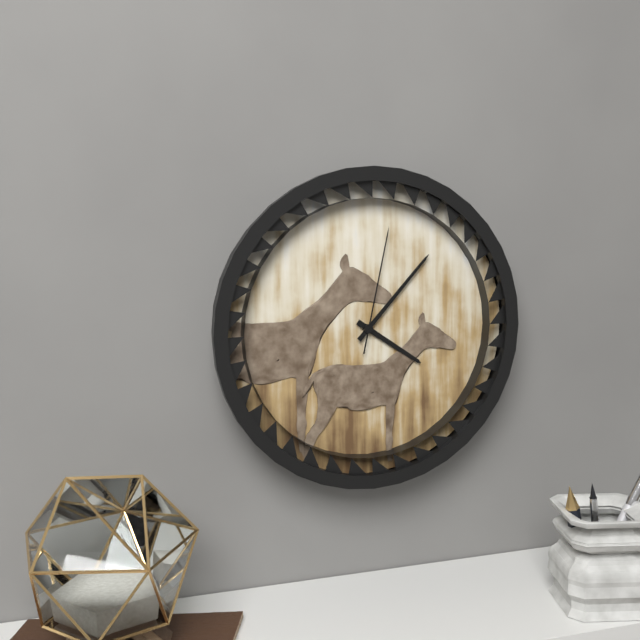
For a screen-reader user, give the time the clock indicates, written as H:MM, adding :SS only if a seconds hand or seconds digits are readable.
4:07:02
